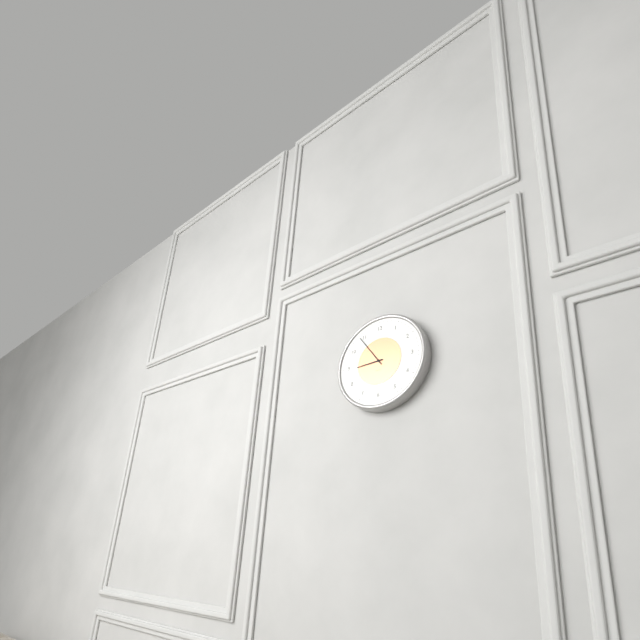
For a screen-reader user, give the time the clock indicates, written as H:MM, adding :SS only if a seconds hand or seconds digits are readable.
8:54
